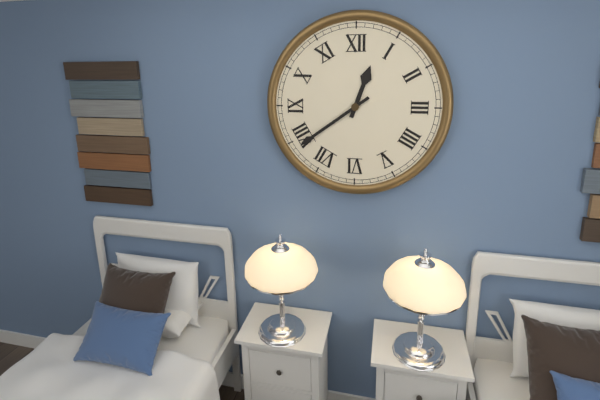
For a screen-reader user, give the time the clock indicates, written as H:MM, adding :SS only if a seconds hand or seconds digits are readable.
12:39
